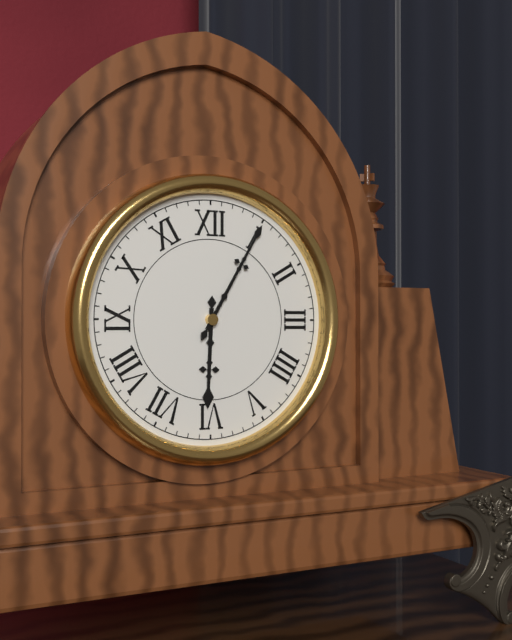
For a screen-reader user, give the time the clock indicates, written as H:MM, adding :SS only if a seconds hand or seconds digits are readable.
6:05
